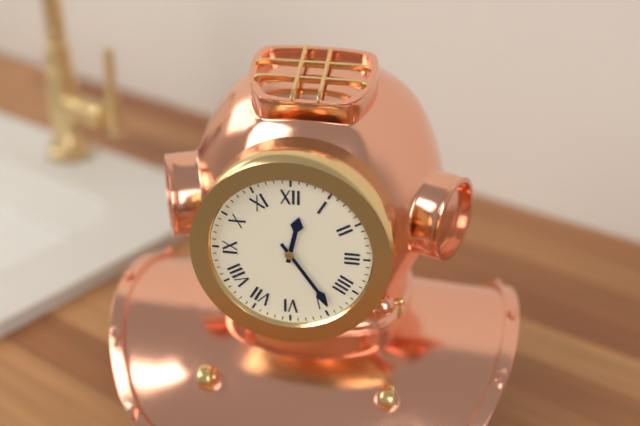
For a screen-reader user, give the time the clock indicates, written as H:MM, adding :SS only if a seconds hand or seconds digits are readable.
12:24
